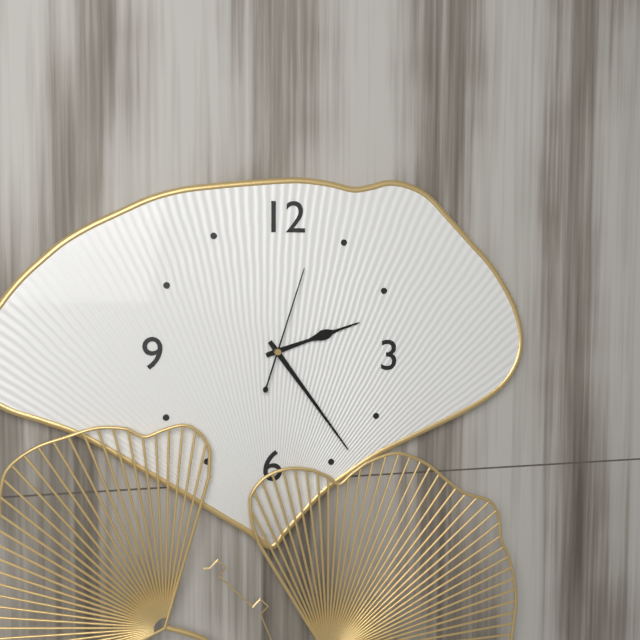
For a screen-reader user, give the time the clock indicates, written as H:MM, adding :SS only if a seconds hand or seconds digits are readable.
2:24:03
